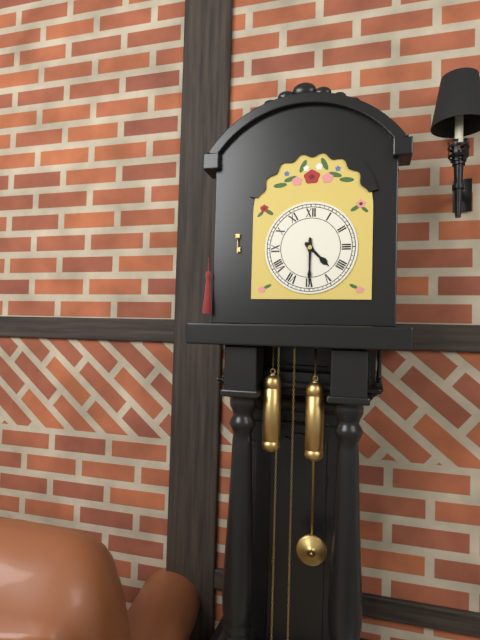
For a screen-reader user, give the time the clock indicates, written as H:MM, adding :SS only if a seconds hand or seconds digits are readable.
4:30
